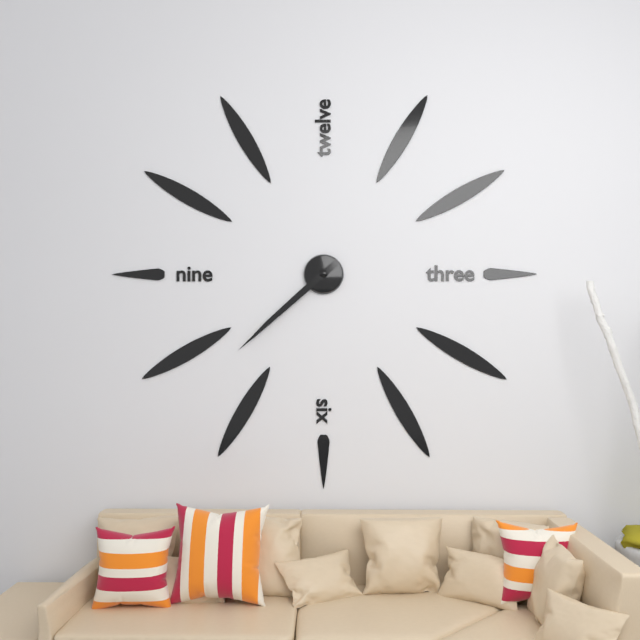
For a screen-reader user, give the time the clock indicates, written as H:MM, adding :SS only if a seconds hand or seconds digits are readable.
7:38
